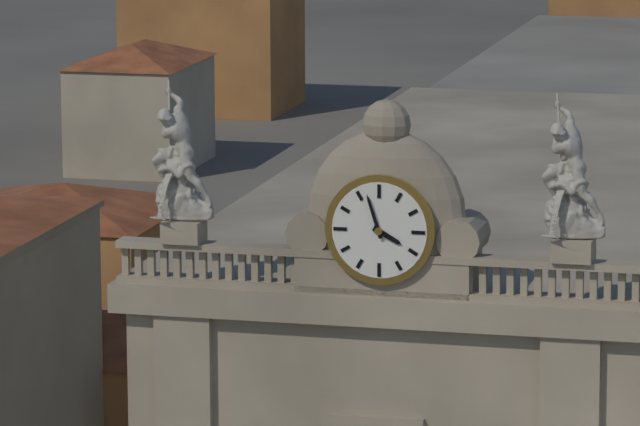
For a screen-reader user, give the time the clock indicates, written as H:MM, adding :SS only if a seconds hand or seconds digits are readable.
3:57
